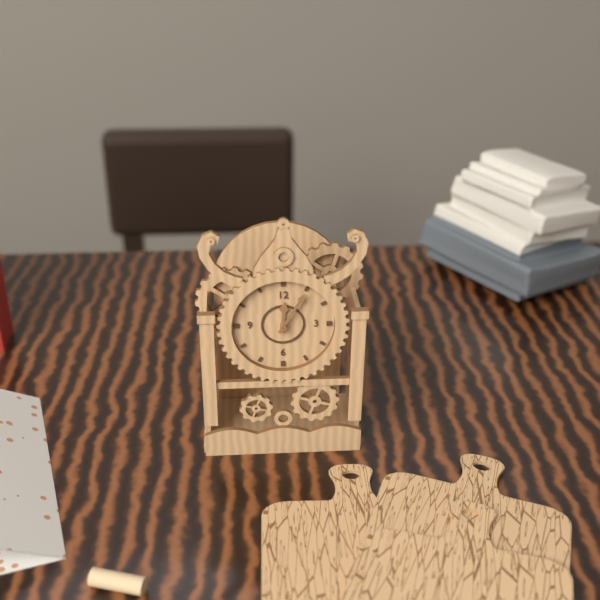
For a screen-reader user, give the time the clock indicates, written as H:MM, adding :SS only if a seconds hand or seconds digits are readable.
12:05
